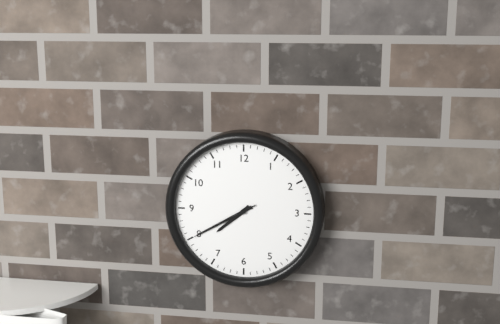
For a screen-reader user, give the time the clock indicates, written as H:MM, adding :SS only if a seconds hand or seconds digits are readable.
7:40:40
